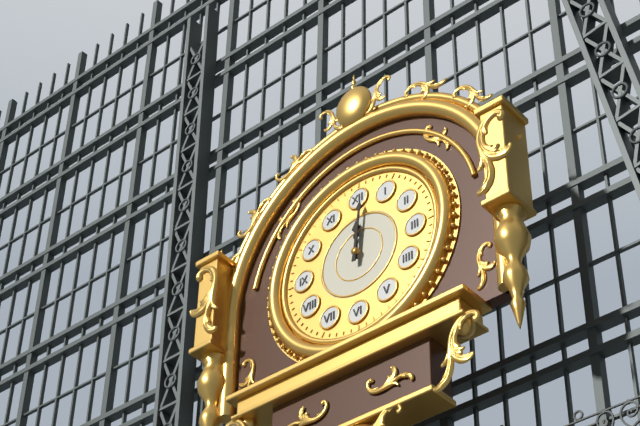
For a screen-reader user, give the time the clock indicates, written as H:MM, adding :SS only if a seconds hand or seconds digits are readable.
12:01
